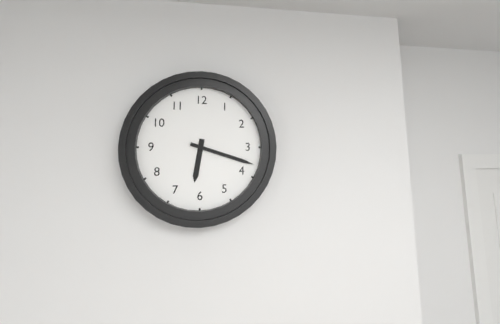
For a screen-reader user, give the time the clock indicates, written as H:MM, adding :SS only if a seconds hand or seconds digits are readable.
6:18
